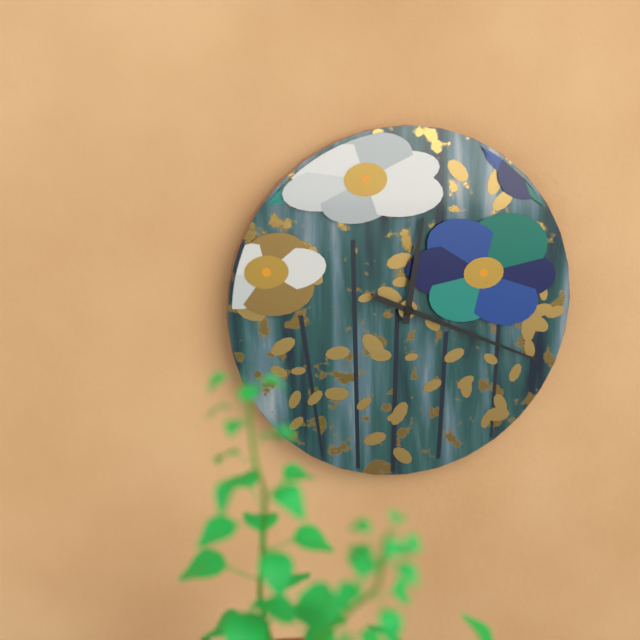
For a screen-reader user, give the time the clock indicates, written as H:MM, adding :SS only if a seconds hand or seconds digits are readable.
12:19
